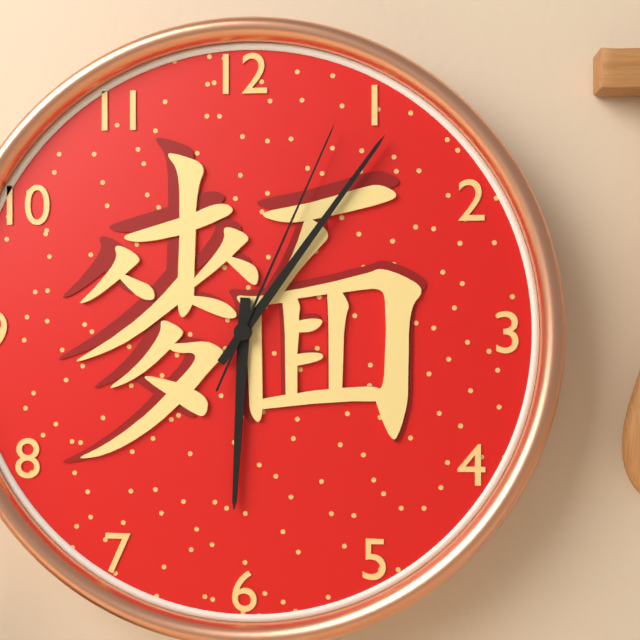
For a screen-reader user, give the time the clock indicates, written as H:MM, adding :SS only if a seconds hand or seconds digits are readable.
6:06:04
